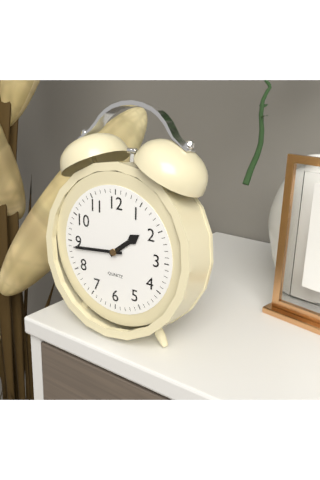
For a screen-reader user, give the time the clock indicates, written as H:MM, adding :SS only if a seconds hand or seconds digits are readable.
1:44
